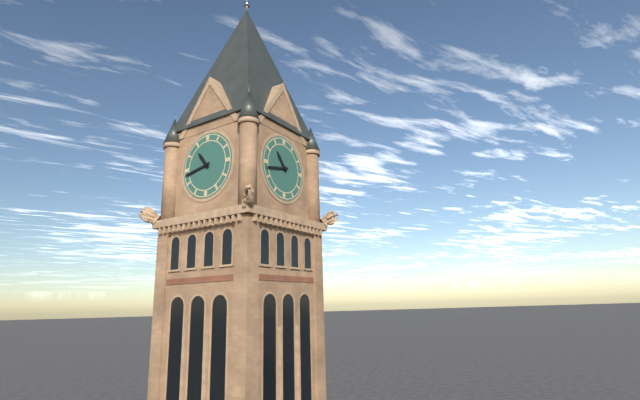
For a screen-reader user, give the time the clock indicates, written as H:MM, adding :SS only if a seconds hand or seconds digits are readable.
10:43
